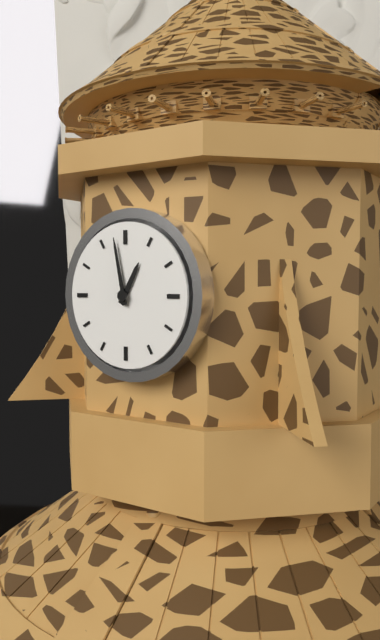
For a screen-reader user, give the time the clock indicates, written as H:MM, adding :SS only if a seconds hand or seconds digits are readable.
12:58
